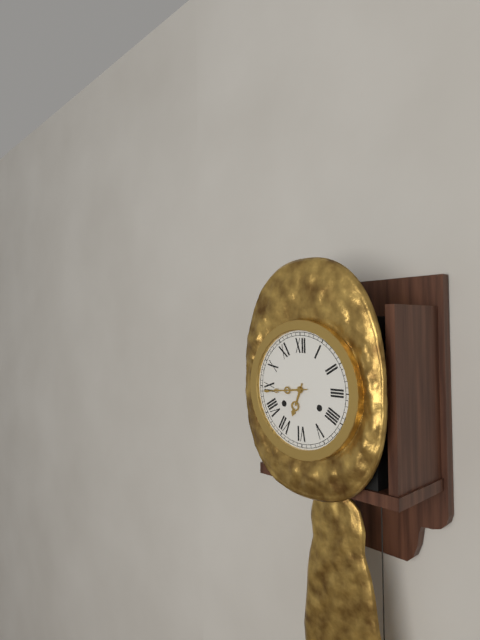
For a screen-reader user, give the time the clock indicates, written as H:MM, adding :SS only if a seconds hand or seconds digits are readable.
6:44
